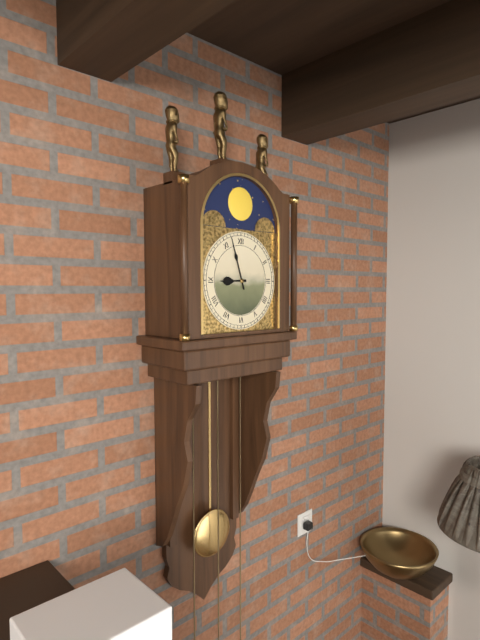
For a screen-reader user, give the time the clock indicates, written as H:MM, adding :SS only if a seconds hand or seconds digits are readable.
8:57
